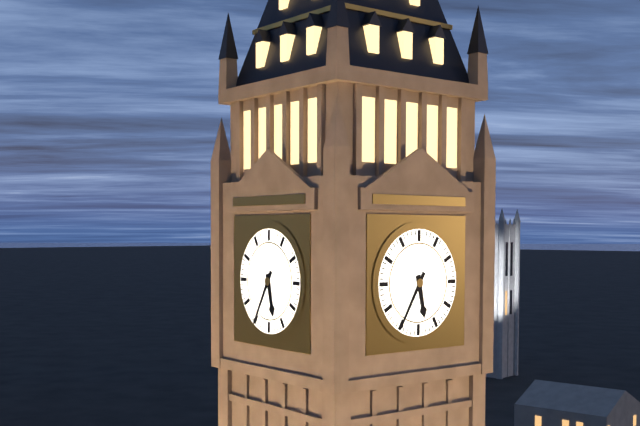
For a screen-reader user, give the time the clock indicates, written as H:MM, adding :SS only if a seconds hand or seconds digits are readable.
5:35
